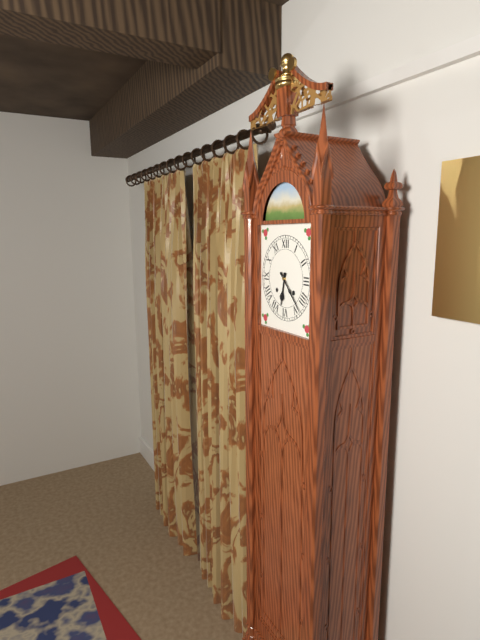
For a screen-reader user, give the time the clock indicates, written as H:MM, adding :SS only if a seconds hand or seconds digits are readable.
6:23
